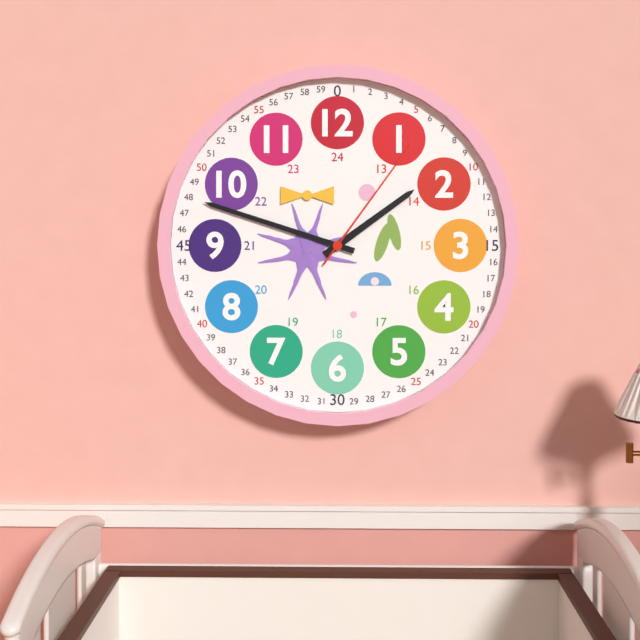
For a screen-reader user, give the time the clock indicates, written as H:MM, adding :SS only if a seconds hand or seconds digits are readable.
1:48:06
